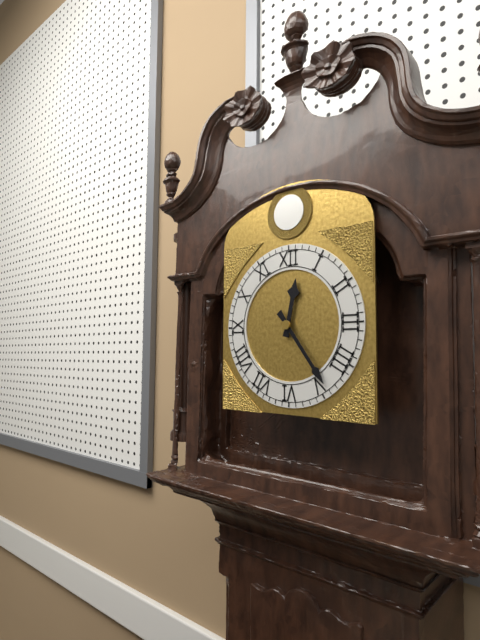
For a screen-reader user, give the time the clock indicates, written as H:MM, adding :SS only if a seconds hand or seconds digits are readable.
12:24
